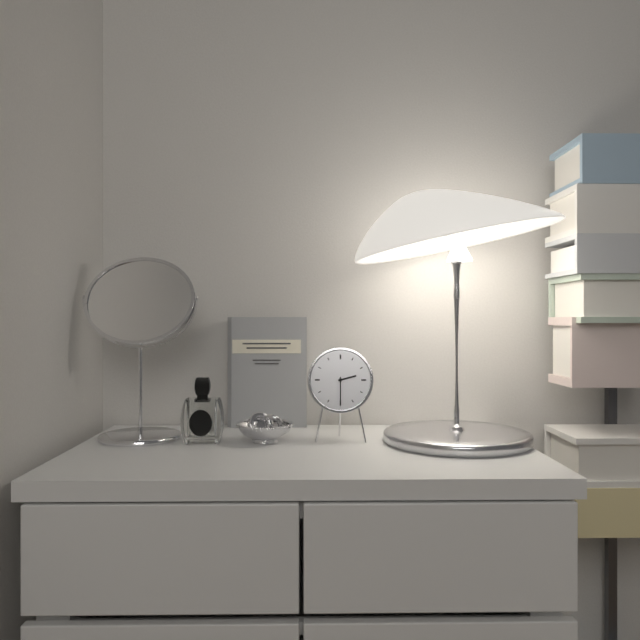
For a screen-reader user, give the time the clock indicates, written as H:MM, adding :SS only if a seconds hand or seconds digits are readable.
2:30
